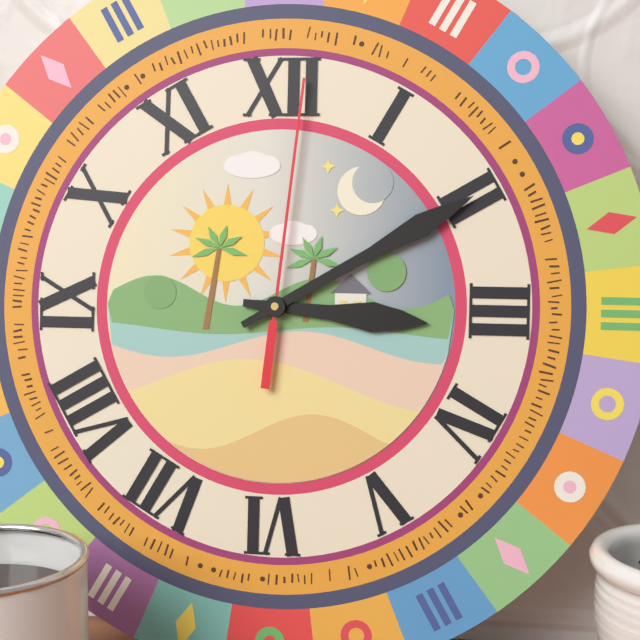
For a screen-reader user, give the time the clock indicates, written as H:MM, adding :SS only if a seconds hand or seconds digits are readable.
3:10:01
